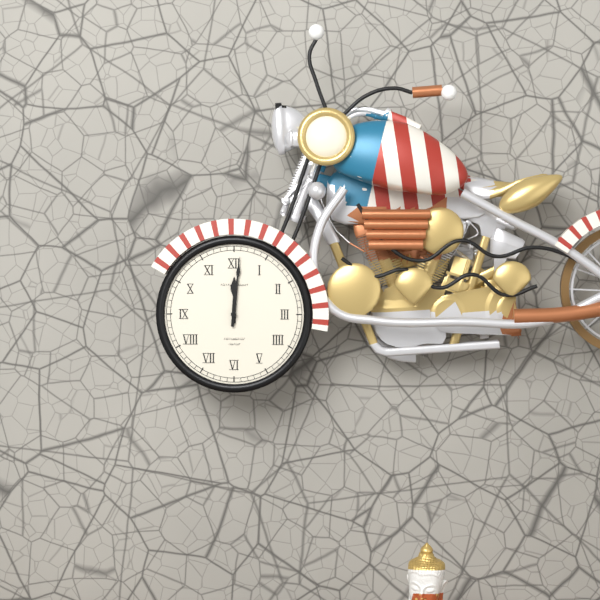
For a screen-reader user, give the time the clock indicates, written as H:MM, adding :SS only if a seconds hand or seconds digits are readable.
12:01
